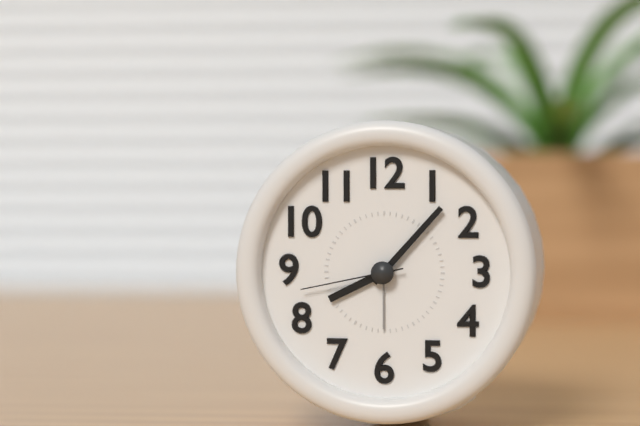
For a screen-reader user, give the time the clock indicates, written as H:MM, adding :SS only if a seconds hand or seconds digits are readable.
8:07:43
